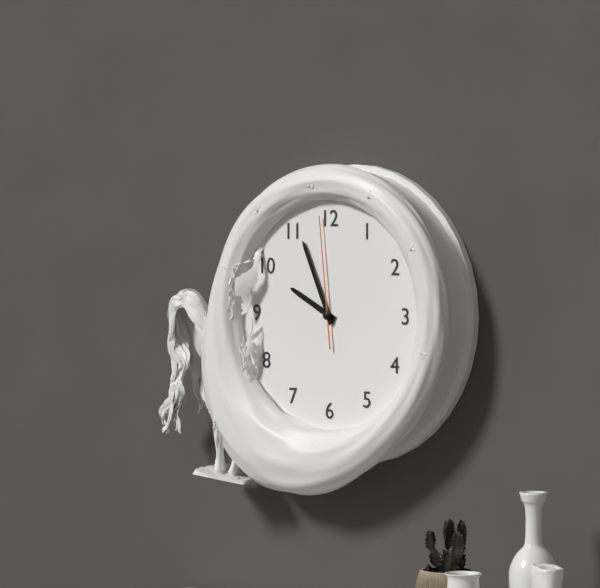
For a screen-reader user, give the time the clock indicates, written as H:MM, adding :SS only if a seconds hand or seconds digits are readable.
9:56:59
